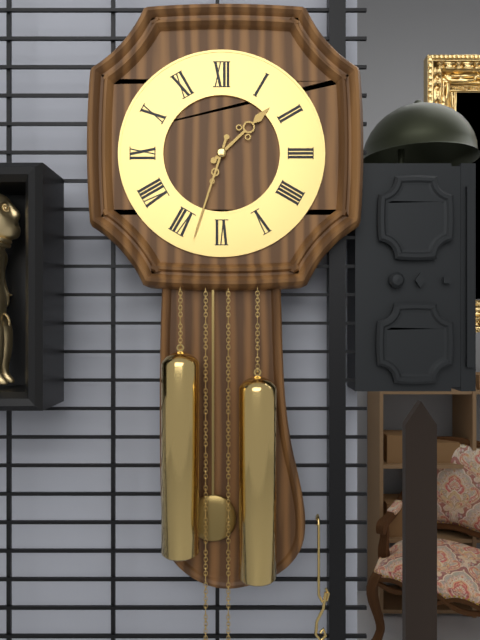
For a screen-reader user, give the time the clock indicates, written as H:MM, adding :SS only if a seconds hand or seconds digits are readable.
1:33
